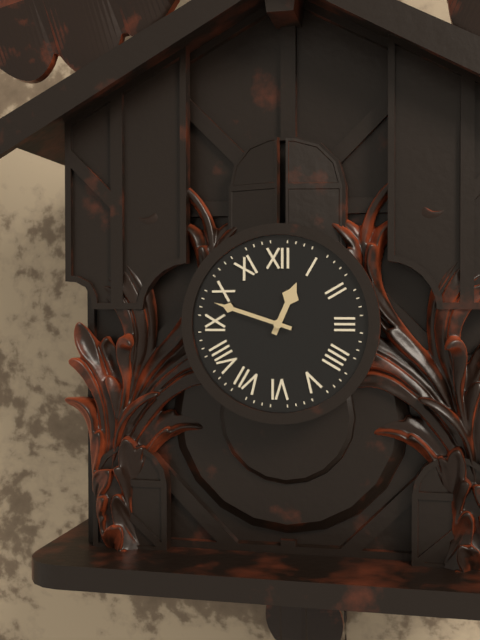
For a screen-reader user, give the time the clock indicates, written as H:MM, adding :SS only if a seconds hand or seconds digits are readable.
12:48
